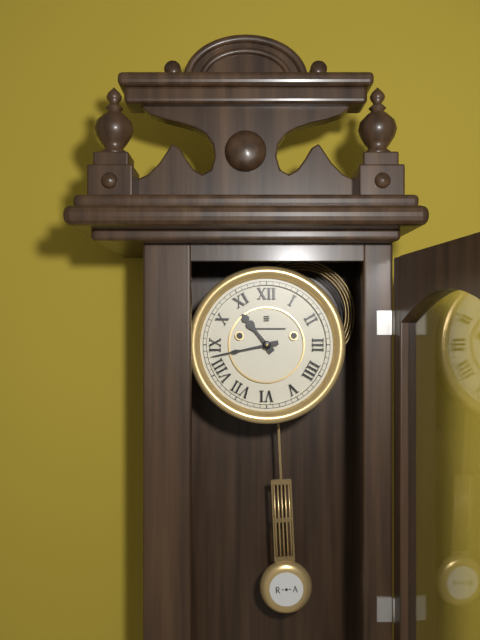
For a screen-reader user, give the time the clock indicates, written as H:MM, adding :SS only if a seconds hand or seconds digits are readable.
10:43
